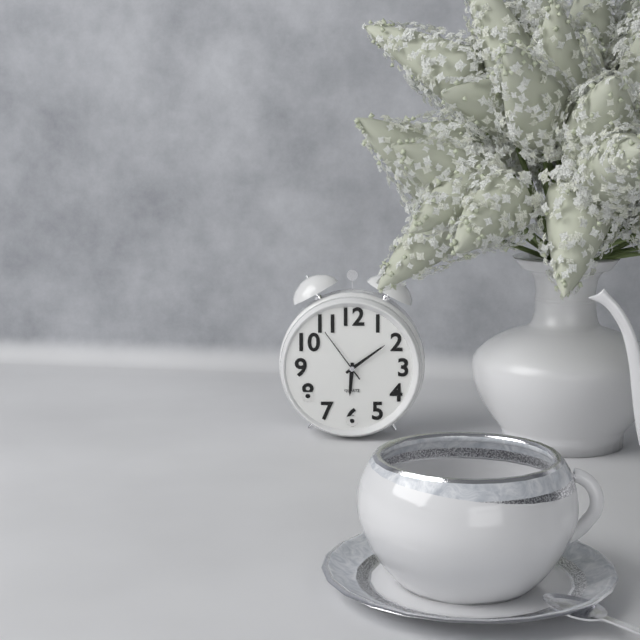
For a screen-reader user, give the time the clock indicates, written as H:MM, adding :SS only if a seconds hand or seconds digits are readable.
6:09:54
